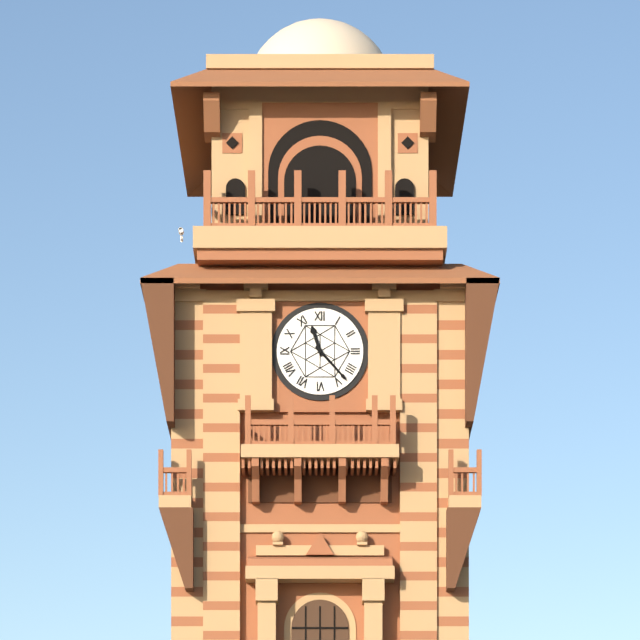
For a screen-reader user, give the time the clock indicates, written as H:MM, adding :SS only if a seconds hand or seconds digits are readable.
11:23
